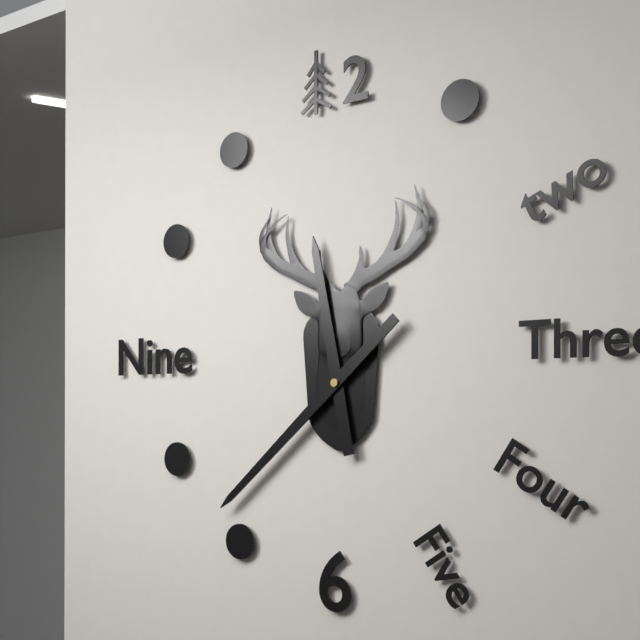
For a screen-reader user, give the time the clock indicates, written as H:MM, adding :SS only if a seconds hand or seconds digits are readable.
11:38
